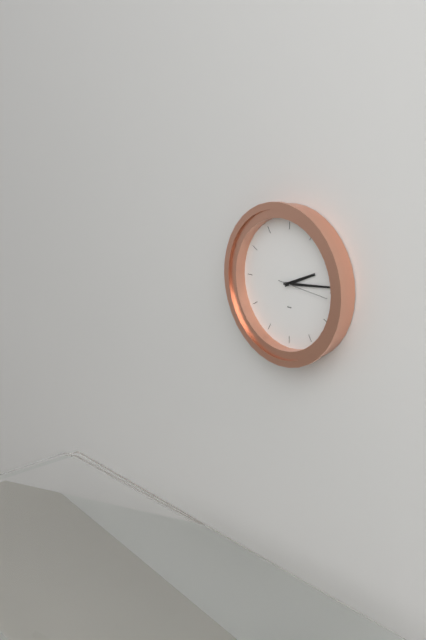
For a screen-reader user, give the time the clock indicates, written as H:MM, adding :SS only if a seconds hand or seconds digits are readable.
2:14:16
